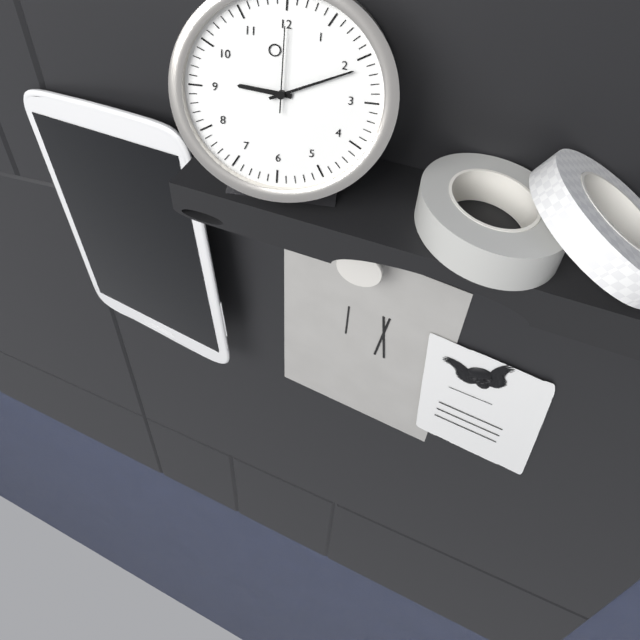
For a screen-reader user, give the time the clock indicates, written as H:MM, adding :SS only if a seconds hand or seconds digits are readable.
9:11:00
